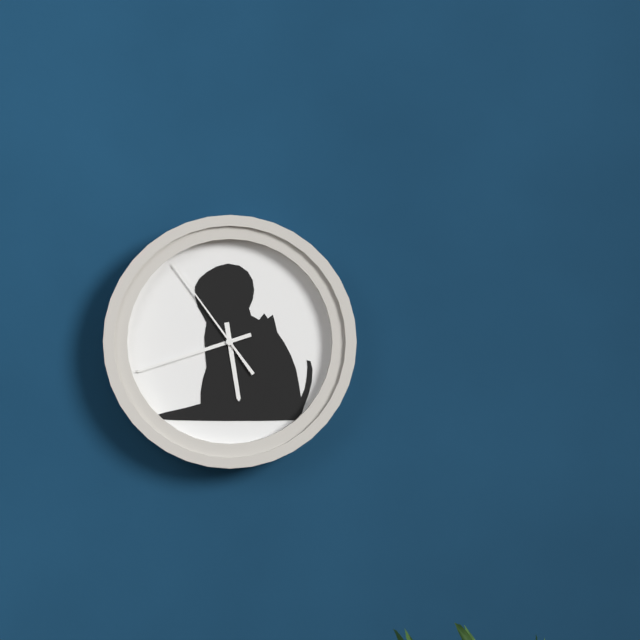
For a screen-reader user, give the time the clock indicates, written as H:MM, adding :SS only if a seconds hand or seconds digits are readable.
5:42:54
